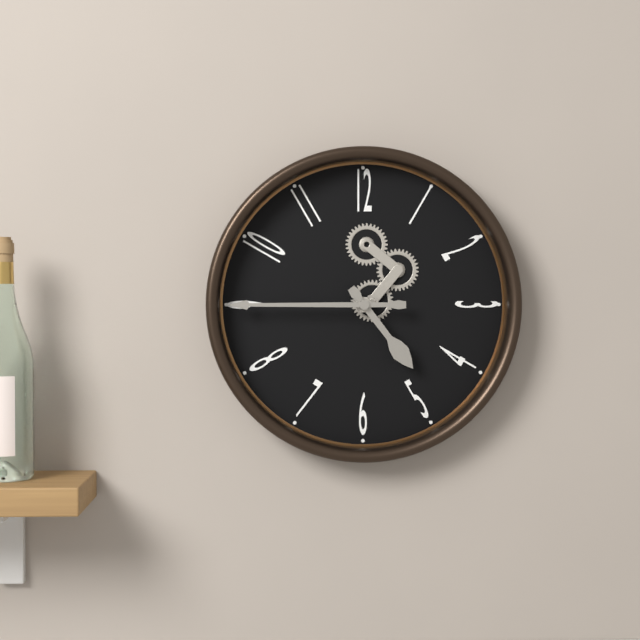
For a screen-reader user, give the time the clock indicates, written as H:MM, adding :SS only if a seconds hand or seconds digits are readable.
4:45
